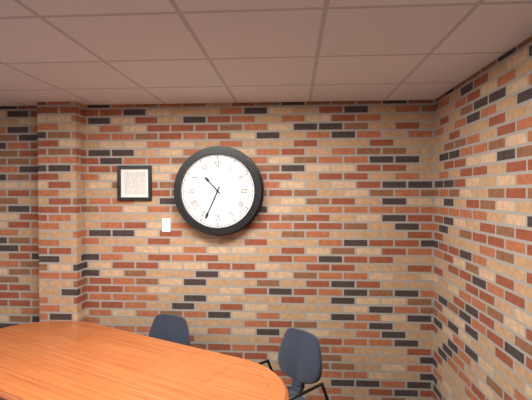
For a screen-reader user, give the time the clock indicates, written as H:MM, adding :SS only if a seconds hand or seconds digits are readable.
10:34
